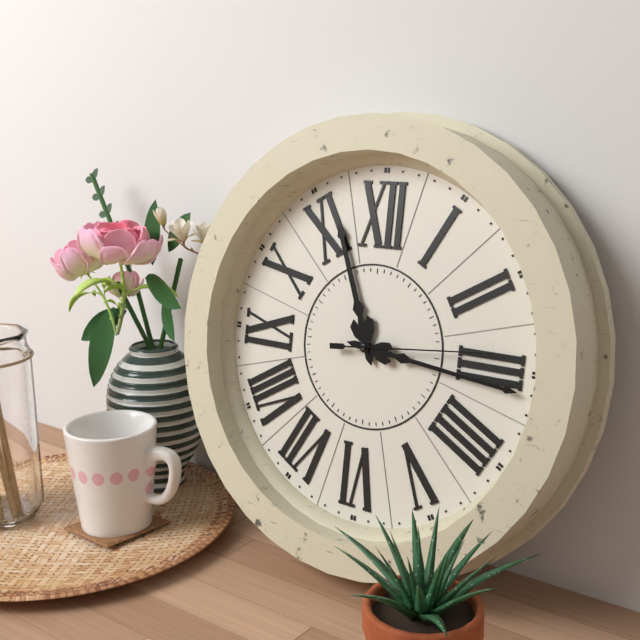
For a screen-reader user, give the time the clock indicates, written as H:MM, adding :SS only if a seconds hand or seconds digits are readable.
11:16:14
